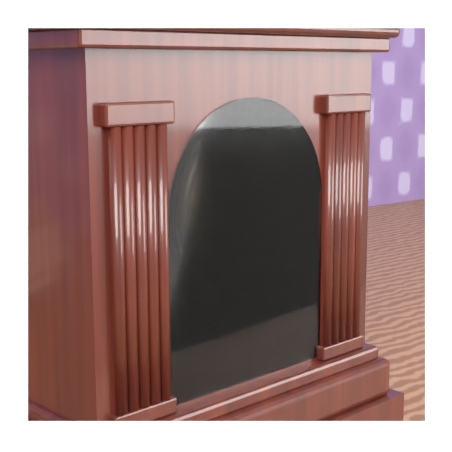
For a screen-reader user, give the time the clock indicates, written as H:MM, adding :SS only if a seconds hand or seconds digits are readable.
11:53
